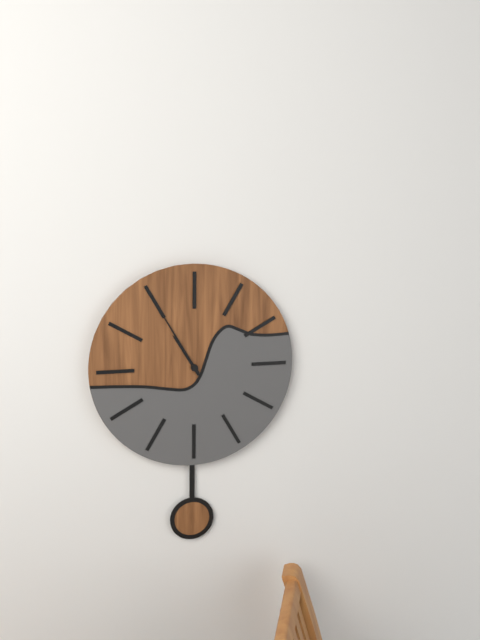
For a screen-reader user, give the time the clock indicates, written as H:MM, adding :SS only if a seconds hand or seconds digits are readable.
10:55
